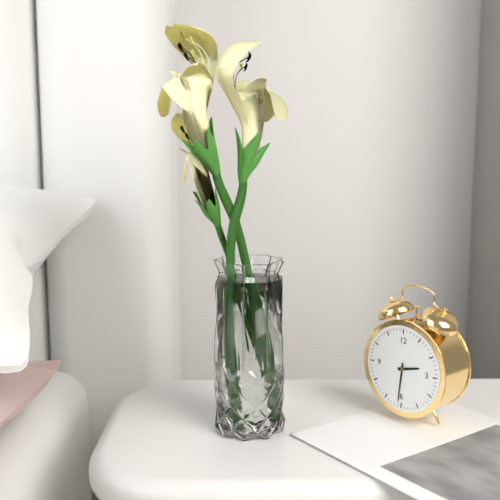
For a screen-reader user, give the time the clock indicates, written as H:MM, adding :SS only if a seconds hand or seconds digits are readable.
2:31
